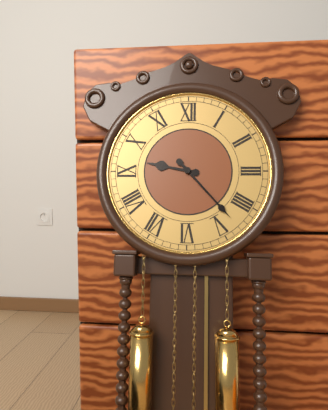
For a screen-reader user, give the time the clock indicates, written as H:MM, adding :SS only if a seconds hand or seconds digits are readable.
9:23
